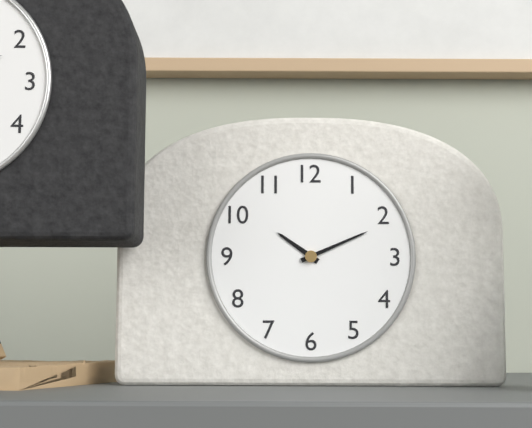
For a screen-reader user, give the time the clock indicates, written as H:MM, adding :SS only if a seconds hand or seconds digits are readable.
10:11
